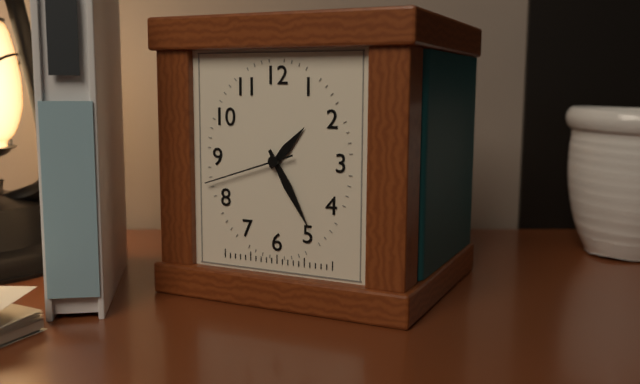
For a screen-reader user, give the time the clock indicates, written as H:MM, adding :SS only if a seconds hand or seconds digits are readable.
1:25:42
